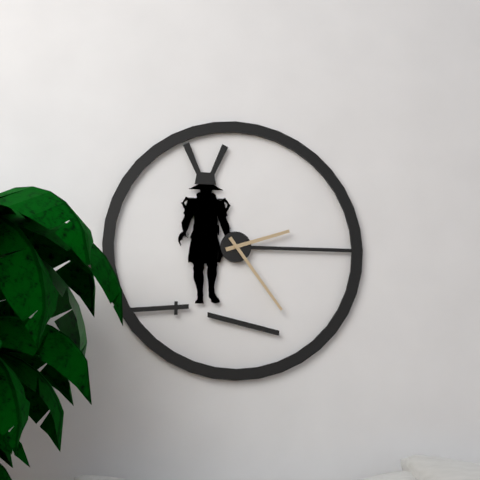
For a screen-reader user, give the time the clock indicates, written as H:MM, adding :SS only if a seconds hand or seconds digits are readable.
2:24
